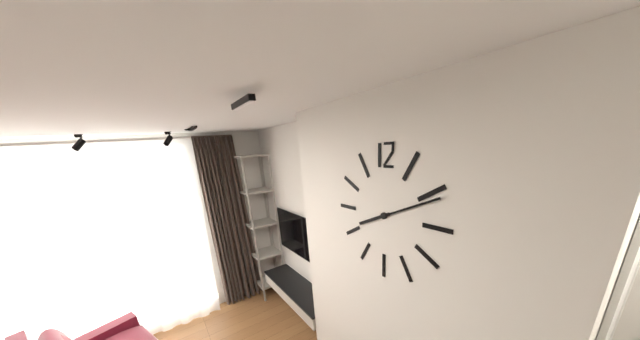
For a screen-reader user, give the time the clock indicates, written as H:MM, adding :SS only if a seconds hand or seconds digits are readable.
8:11
